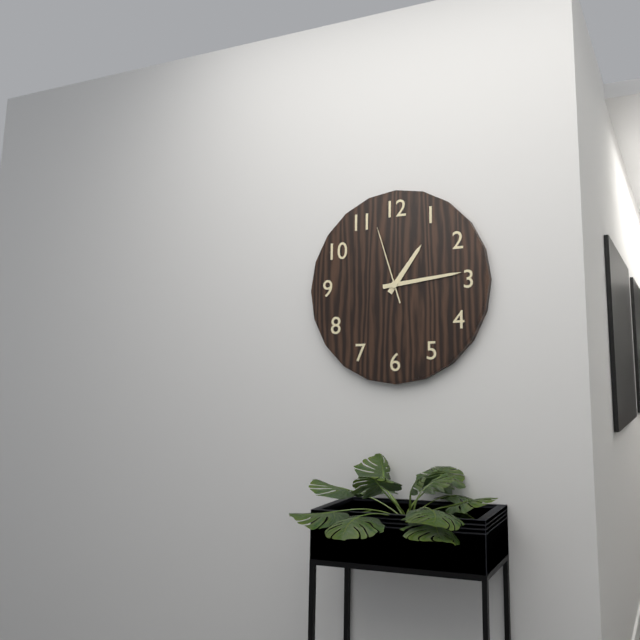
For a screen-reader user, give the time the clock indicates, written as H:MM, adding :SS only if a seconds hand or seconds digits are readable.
1:14:57
